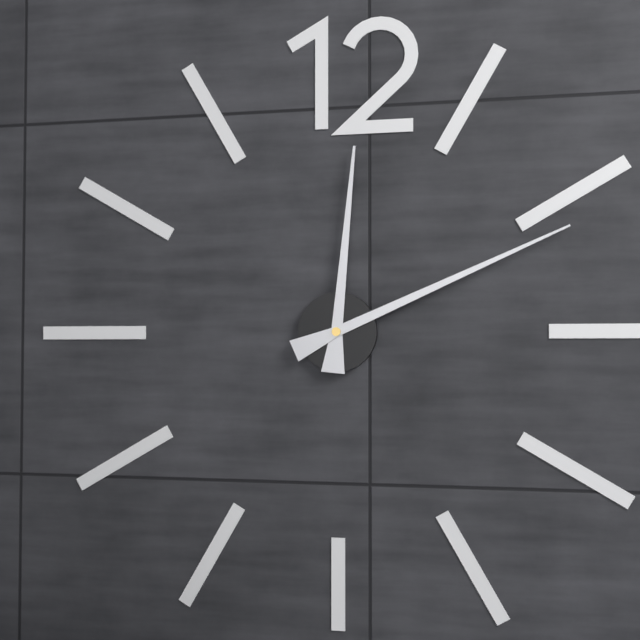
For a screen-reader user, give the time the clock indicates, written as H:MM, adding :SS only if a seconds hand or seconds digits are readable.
12:11
